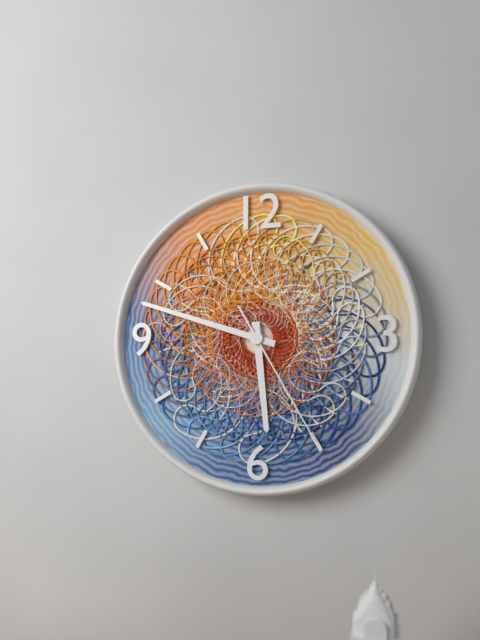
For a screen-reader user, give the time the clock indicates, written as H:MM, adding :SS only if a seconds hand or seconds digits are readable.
5:48:25
